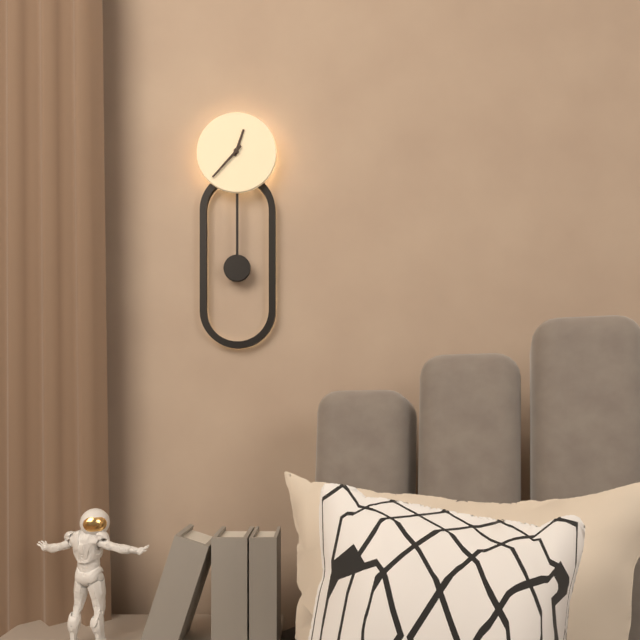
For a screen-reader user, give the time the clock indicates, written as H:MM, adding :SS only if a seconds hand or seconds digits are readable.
12:37
